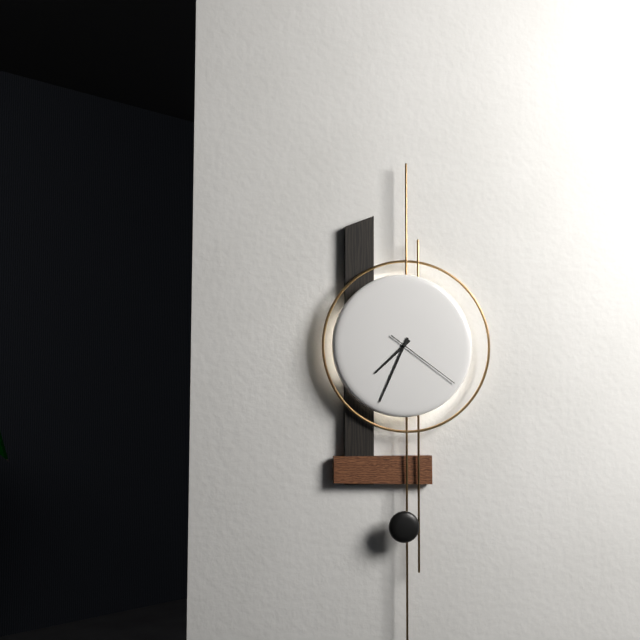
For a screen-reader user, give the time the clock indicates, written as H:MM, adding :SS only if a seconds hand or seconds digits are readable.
7:34:21
